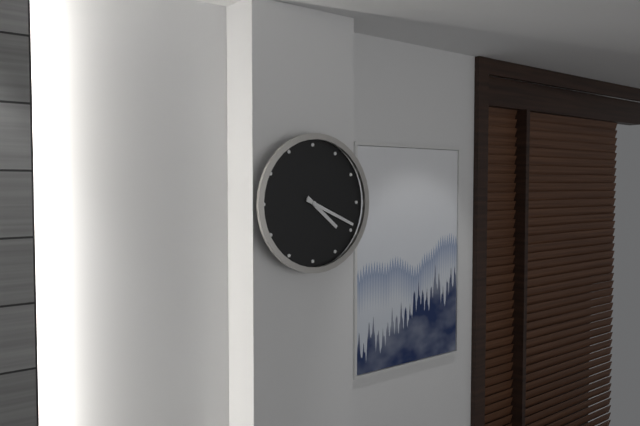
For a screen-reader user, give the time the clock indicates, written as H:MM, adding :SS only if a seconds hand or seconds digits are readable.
4:19
